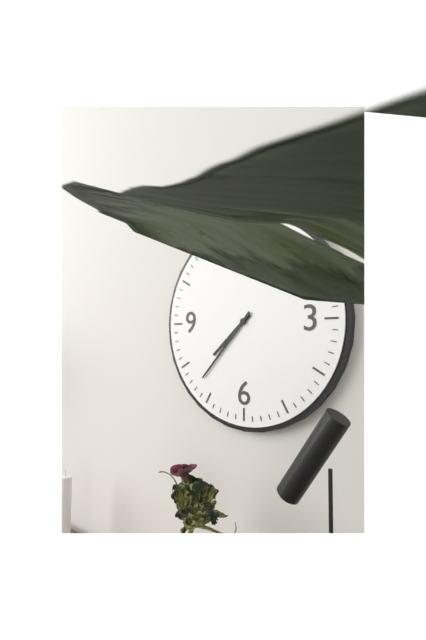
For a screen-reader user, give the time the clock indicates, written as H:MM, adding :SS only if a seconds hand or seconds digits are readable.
7:37
